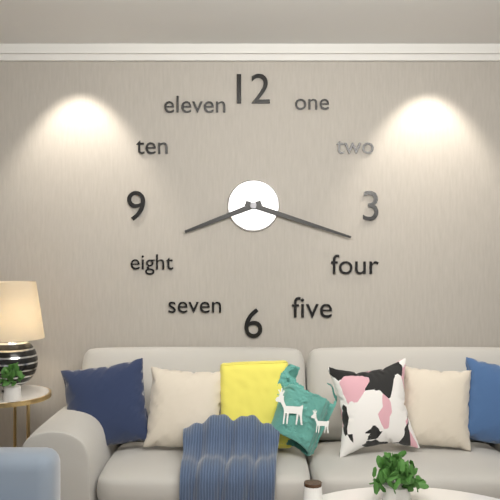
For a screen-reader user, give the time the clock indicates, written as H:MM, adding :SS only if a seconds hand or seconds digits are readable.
8:18
